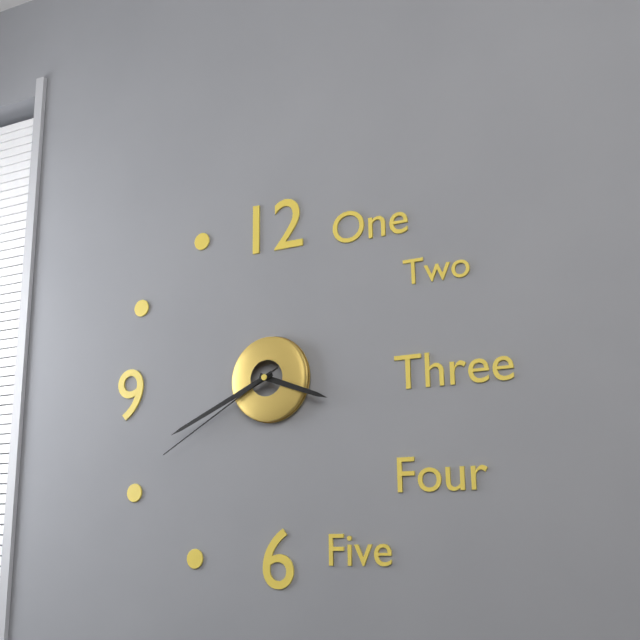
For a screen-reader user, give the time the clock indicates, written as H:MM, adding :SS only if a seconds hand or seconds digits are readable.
3:41:40
